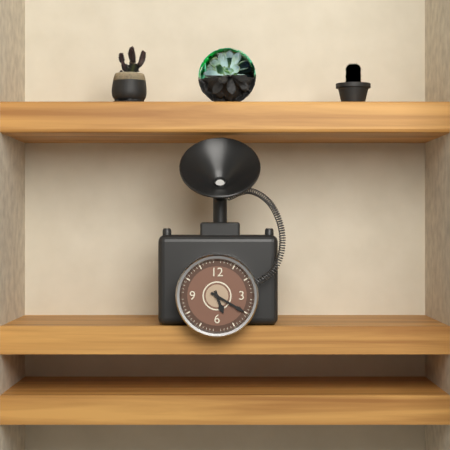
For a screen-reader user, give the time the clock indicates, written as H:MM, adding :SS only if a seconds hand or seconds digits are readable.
5:20
